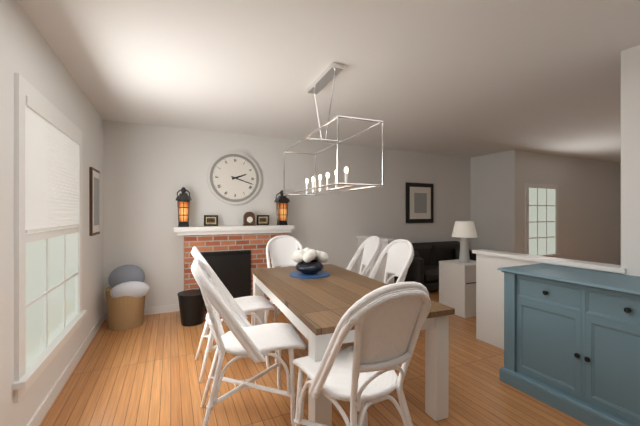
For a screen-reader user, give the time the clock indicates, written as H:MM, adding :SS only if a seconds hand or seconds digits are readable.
2:18
